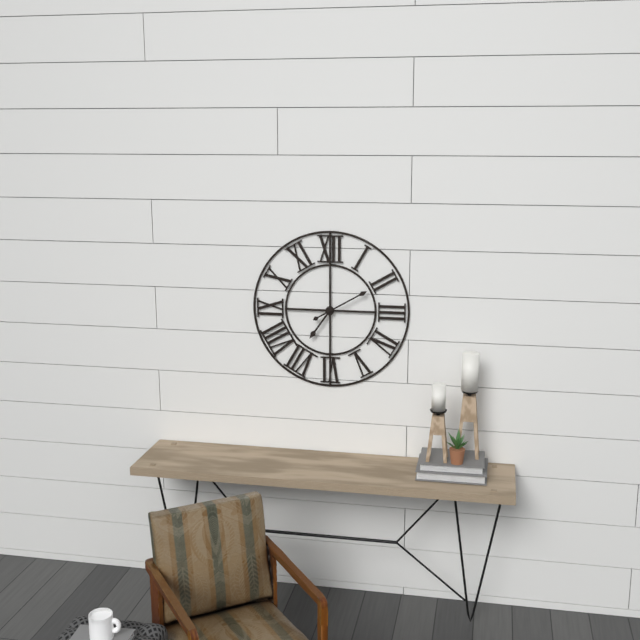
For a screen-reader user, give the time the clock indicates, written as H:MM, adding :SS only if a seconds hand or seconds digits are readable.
7:10
